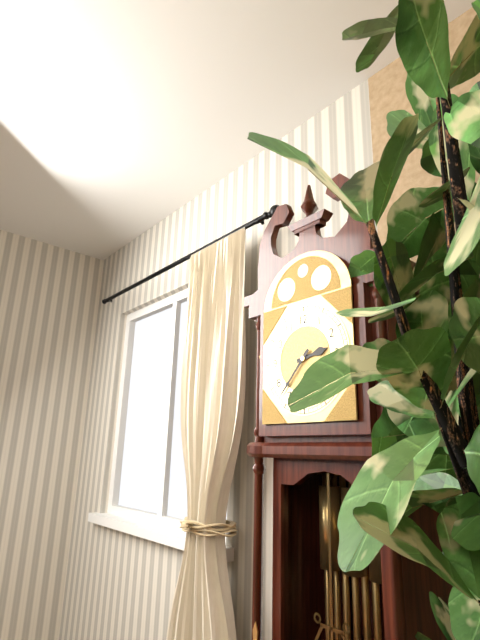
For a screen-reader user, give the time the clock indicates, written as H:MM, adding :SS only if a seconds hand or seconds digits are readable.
2:37
